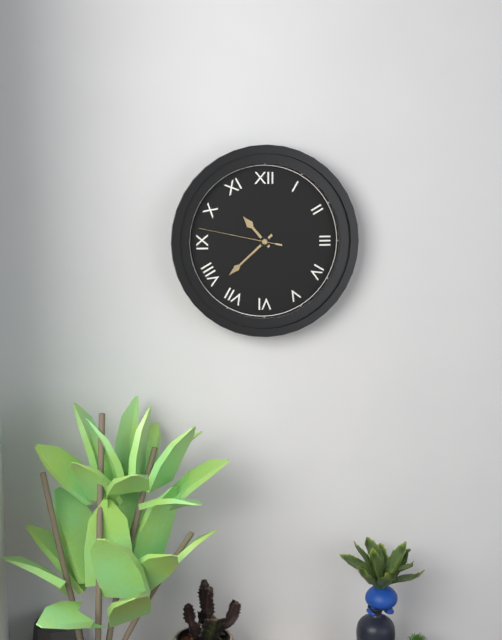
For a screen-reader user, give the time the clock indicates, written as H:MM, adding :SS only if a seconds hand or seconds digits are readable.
10:38:47
